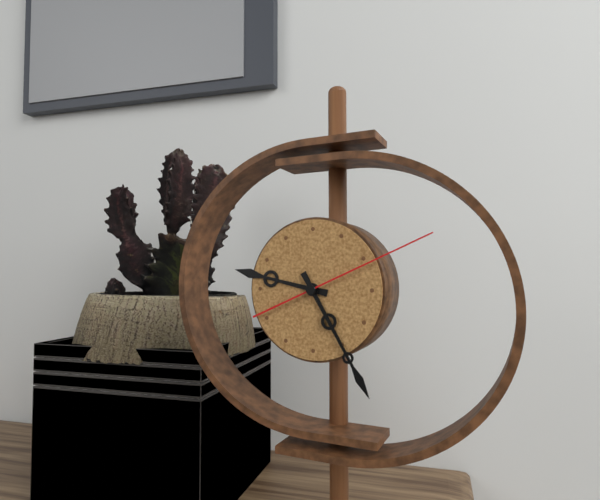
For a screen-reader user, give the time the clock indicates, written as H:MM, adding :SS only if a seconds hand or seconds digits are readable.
9:25:11
